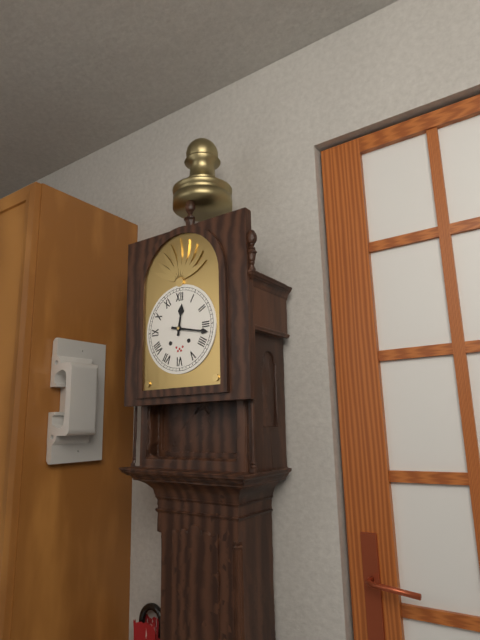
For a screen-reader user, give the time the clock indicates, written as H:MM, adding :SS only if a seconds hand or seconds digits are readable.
12:17
